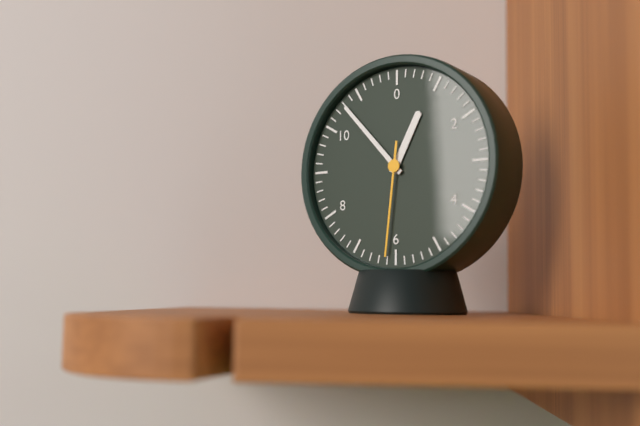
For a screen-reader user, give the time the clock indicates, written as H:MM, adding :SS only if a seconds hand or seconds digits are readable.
12:53:31
